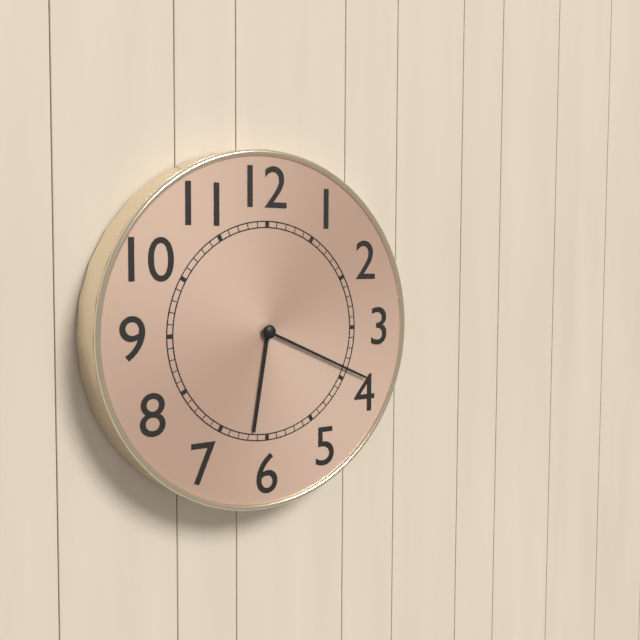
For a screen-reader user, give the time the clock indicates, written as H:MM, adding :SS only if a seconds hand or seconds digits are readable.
6:19
